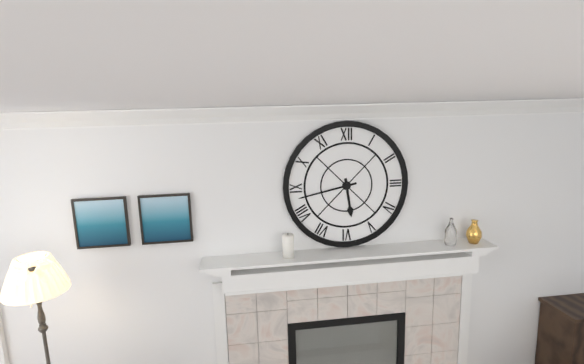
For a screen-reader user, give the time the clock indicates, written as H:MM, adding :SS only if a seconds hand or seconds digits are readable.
5:43
